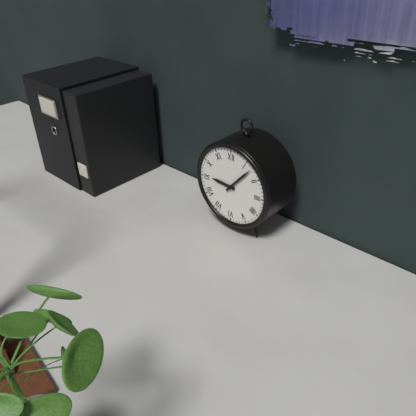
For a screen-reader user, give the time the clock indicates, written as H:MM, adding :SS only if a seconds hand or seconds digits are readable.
9:07
